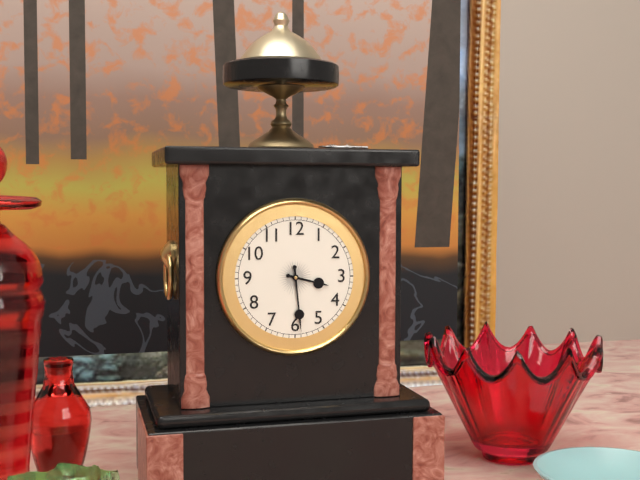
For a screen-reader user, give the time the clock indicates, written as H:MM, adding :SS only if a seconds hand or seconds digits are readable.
3:29
